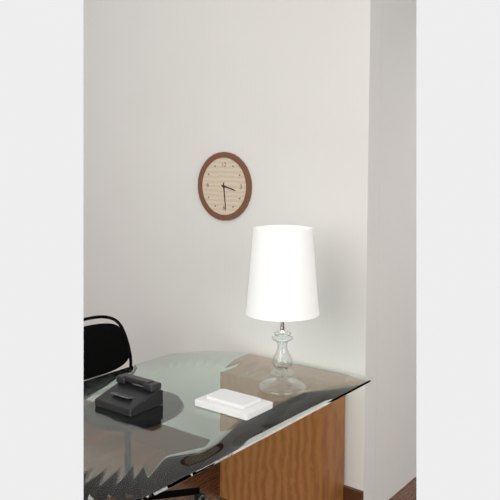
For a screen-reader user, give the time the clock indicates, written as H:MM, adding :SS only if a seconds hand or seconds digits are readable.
3:29
